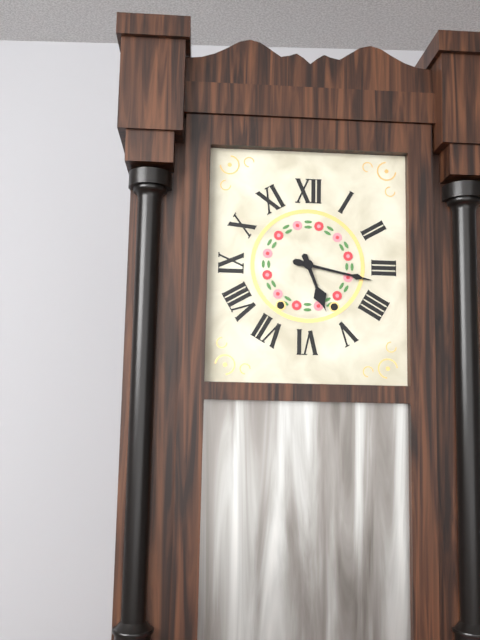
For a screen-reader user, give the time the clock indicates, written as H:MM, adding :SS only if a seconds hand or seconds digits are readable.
5:17
